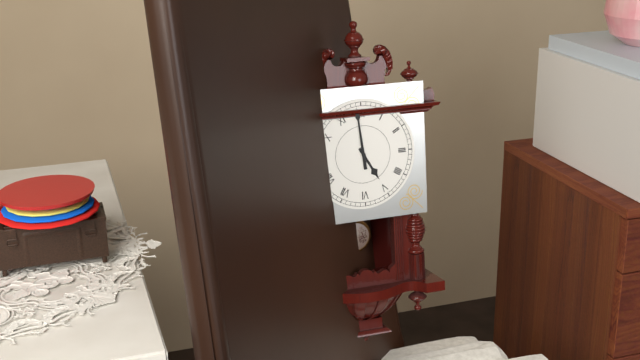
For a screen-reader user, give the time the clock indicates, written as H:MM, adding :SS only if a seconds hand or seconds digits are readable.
4:59
